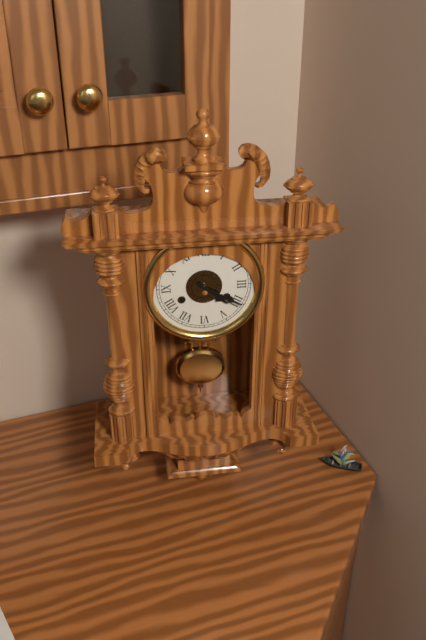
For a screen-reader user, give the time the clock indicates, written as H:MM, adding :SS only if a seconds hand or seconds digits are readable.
4:20
